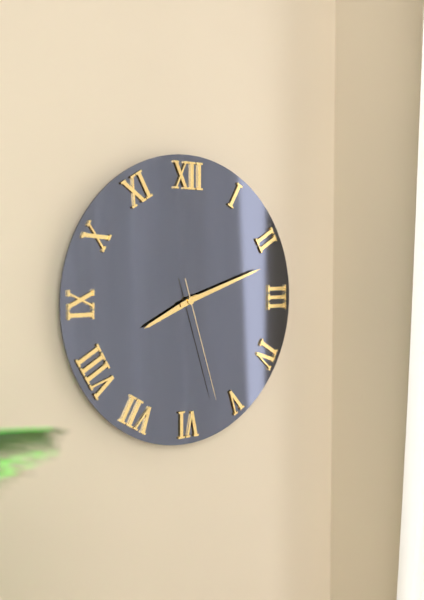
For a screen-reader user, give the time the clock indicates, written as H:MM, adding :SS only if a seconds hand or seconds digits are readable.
8:12:27
